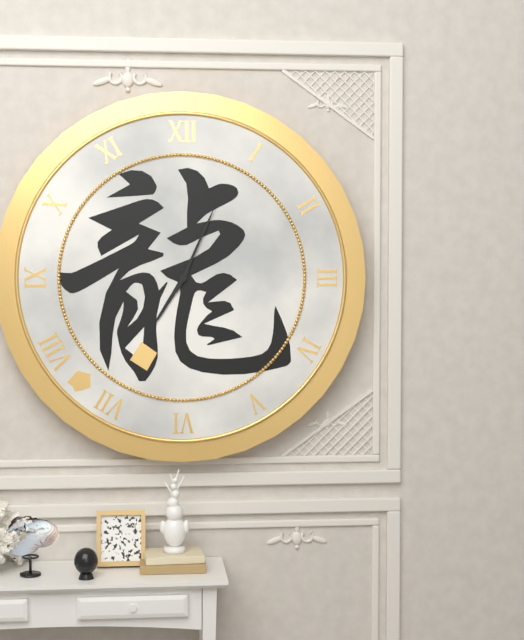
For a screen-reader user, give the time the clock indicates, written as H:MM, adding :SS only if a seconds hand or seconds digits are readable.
7:04
